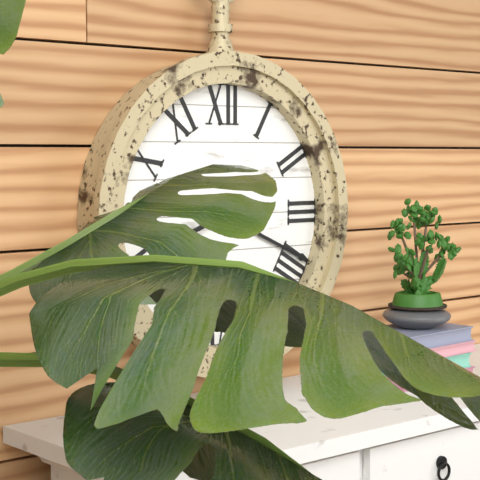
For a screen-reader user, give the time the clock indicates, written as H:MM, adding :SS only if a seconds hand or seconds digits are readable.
8:19
